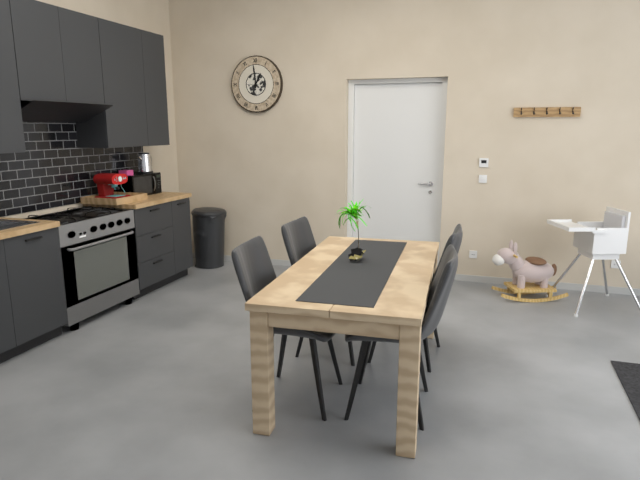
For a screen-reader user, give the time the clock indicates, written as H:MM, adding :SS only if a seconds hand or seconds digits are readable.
12:59
